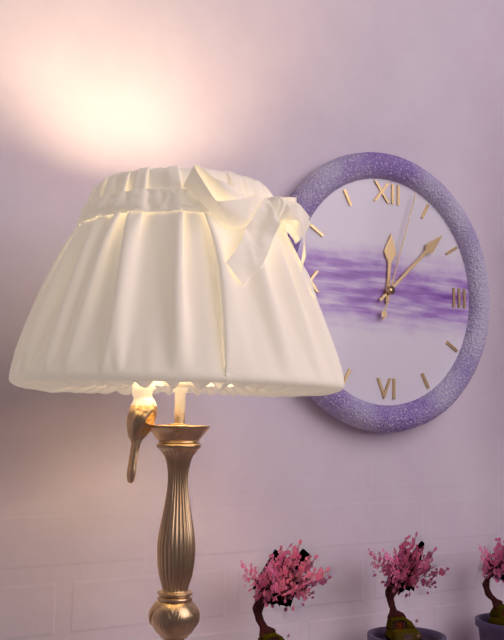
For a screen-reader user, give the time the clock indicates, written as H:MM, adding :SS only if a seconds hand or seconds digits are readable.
12:08:03
